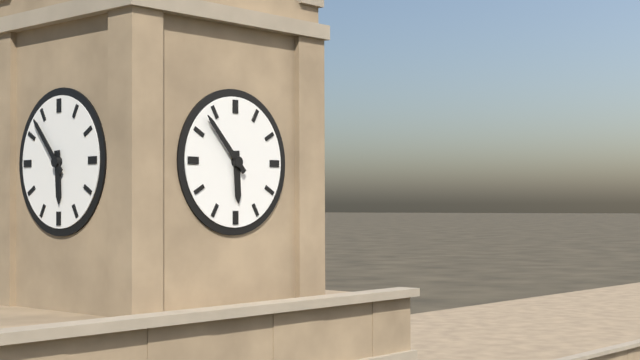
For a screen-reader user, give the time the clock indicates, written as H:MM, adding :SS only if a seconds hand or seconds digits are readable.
5:53
